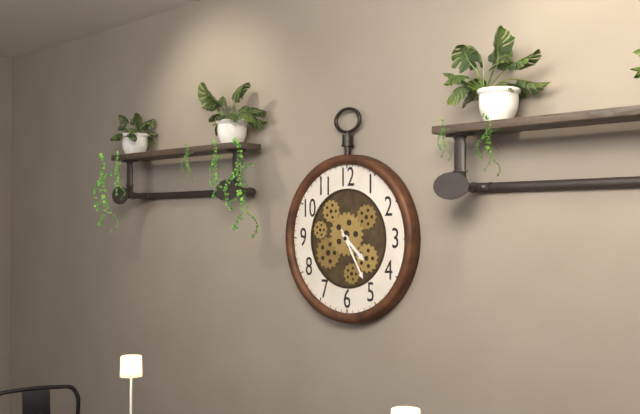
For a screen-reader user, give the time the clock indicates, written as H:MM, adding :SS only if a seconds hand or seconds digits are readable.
4:25
